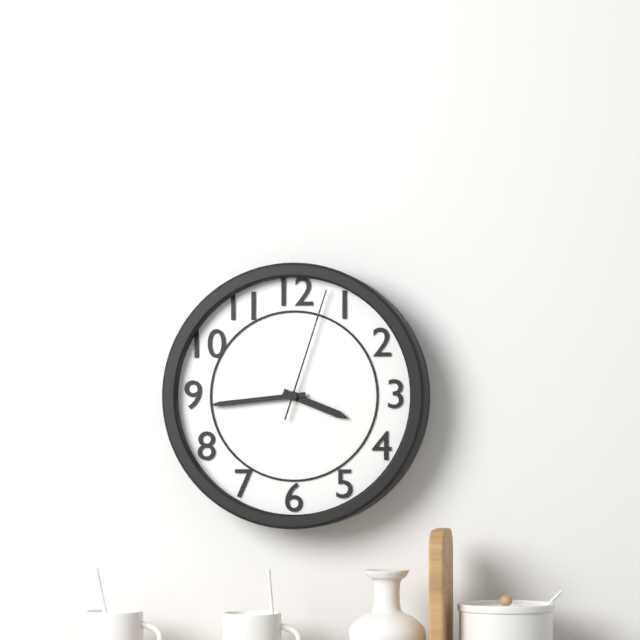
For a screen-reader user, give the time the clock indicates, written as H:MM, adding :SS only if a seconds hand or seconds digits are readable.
3:44:03
